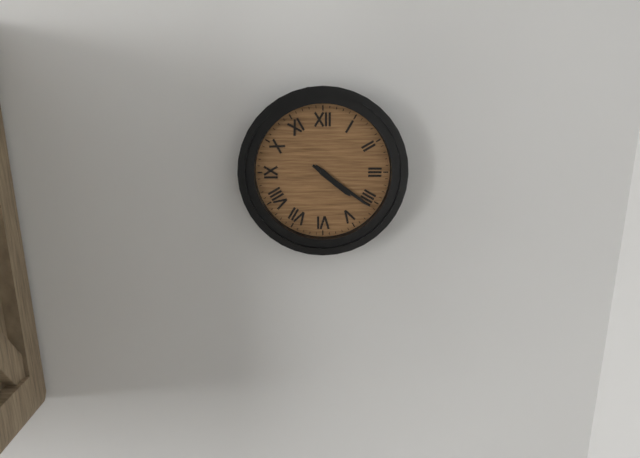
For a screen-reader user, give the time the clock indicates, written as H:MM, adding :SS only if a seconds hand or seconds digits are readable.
4:21
